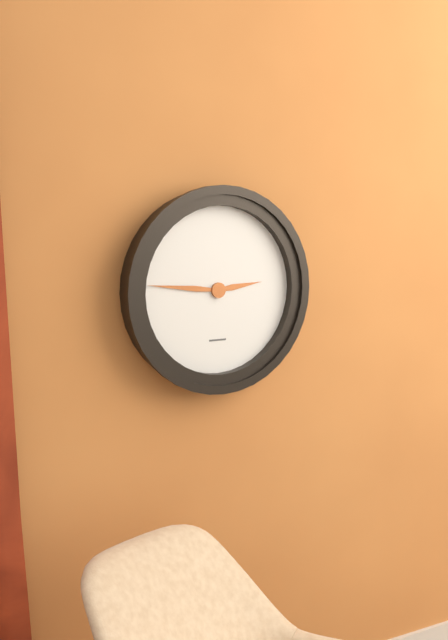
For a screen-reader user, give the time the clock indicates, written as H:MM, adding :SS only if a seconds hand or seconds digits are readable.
2:46
